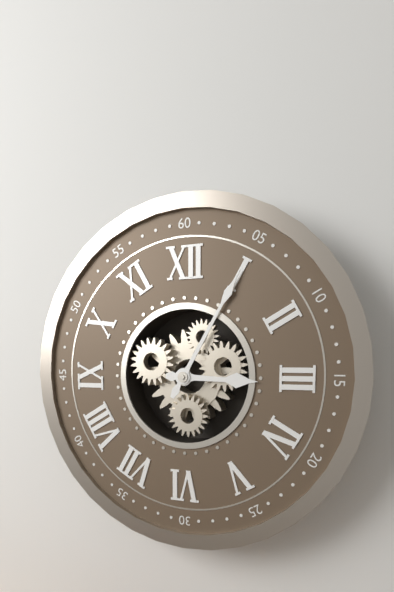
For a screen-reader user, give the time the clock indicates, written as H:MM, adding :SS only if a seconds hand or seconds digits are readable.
3:05
